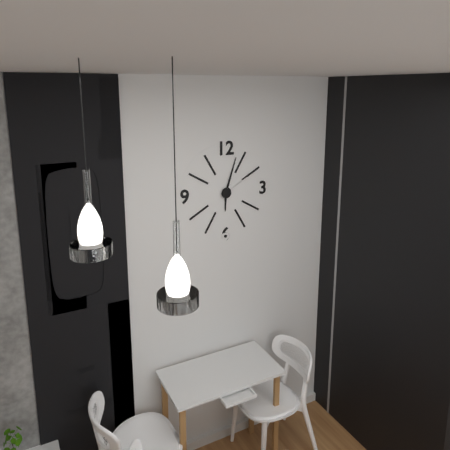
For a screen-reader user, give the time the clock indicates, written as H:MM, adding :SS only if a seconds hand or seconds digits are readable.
6:03
